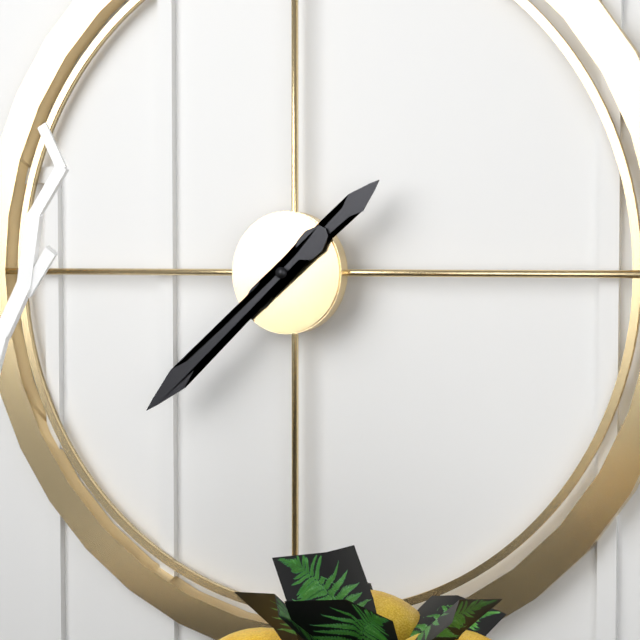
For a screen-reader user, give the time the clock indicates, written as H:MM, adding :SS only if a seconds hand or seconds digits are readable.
1:38
